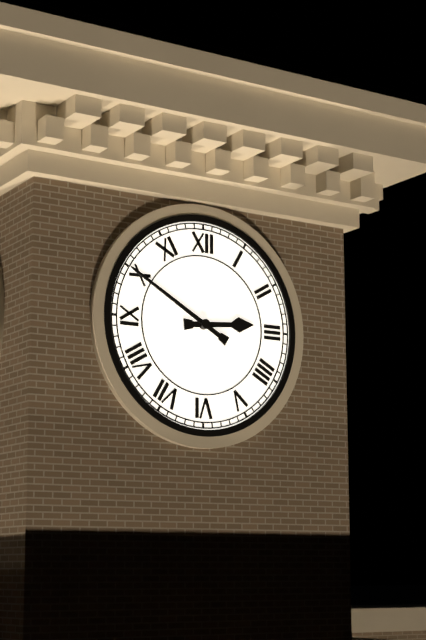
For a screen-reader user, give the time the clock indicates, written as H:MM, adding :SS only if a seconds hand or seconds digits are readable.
2:50
